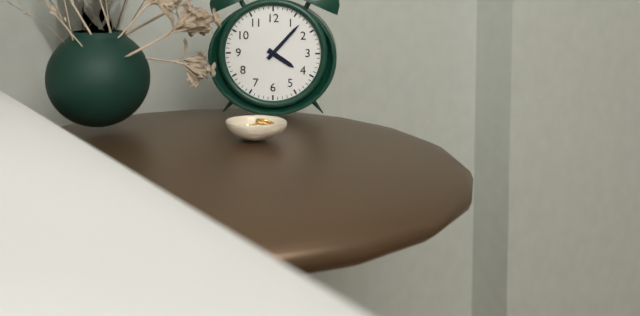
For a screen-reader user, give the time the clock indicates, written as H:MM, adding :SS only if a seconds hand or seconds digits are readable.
4:07
